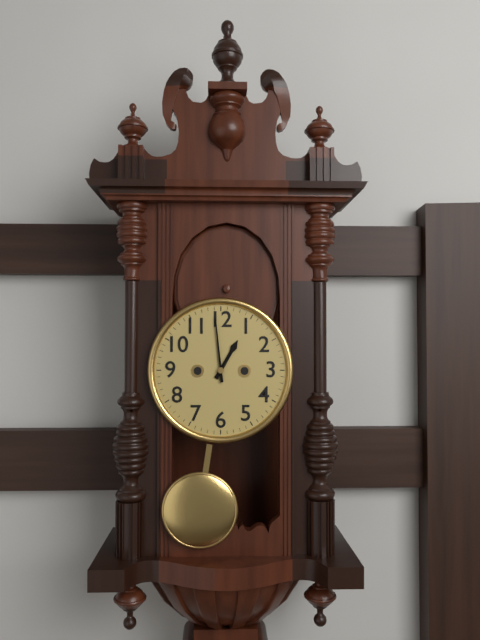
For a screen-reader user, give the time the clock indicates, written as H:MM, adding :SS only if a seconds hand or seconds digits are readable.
12:59
